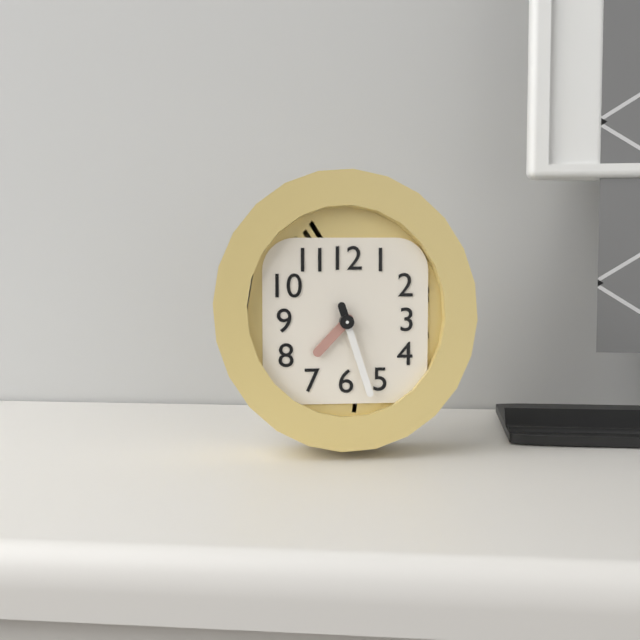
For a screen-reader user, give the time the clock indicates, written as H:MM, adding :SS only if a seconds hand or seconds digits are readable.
7:27
